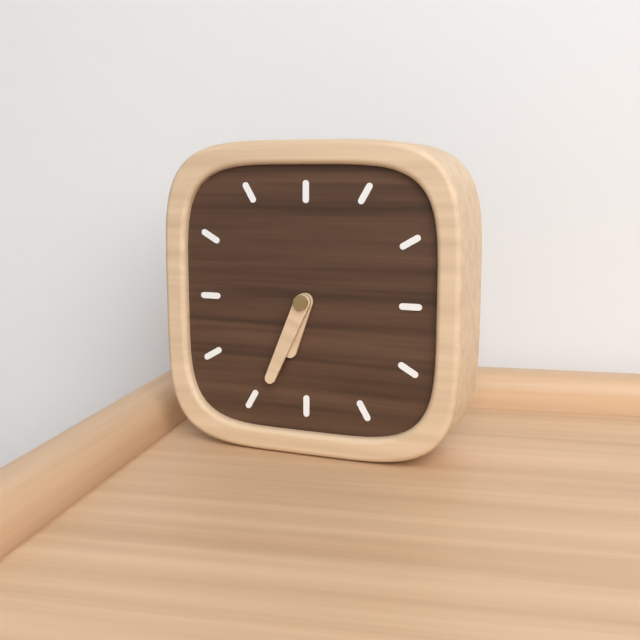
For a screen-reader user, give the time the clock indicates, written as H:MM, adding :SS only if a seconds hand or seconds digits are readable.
6:34
